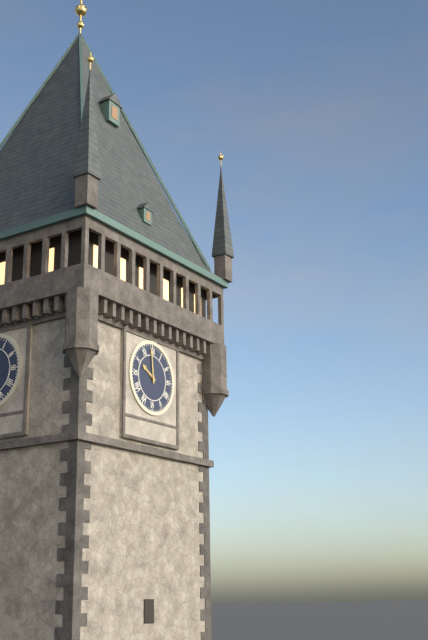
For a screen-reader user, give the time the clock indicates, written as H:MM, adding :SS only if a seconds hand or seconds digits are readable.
9:59
